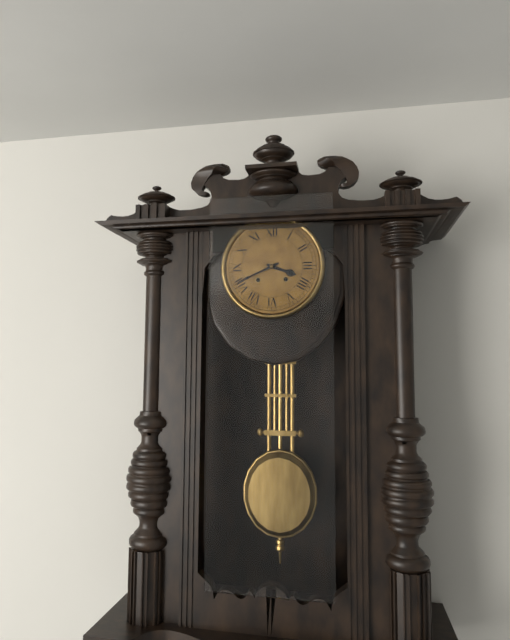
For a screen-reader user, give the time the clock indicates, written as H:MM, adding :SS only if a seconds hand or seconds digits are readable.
3:41
